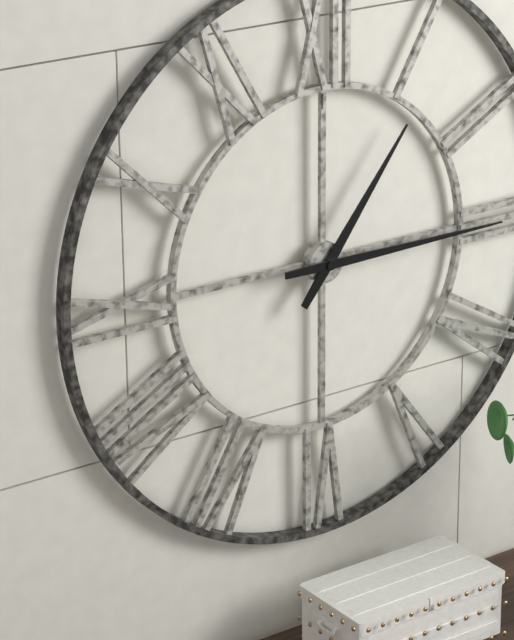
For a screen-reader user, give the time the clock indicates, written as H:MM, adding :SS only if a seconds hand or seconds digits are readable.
1:15
